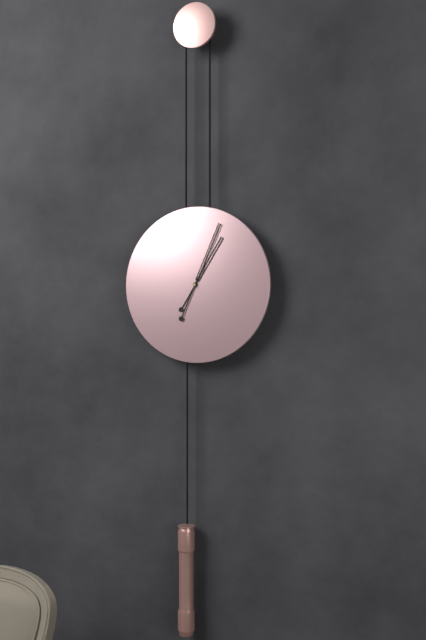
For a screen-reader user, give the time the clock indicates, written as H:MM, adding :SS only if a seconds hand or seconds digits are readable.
1:04
